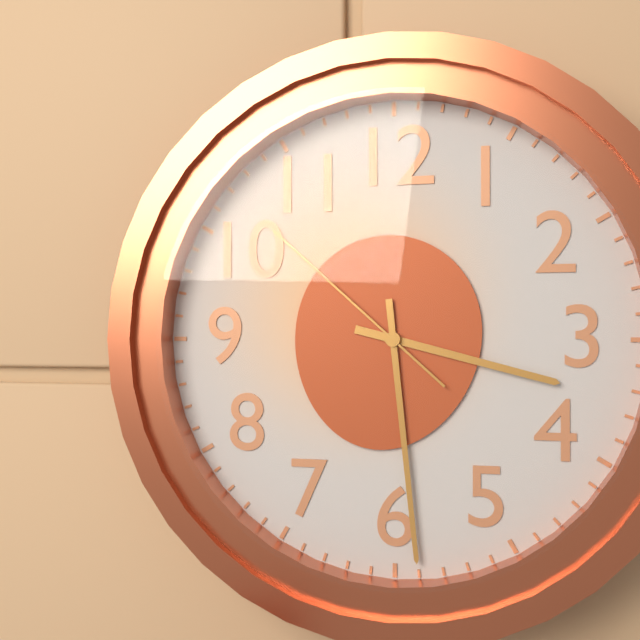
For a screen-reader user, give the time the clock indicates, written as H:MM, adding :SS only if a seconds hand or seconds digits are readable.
3:29:52
